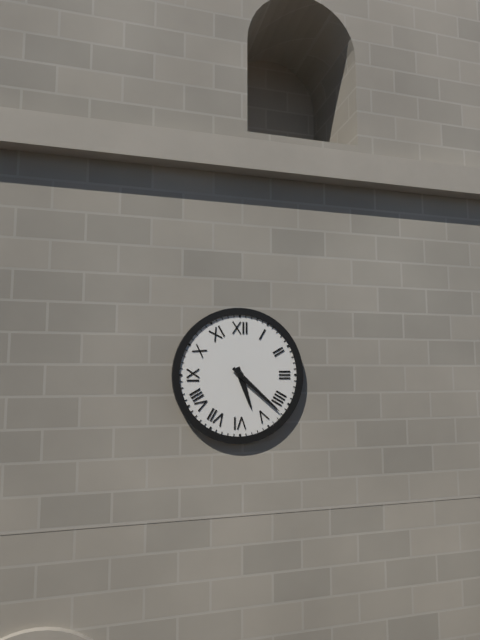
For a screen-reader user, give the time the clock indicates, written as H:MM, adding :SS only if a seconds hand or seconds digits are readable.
5:22
